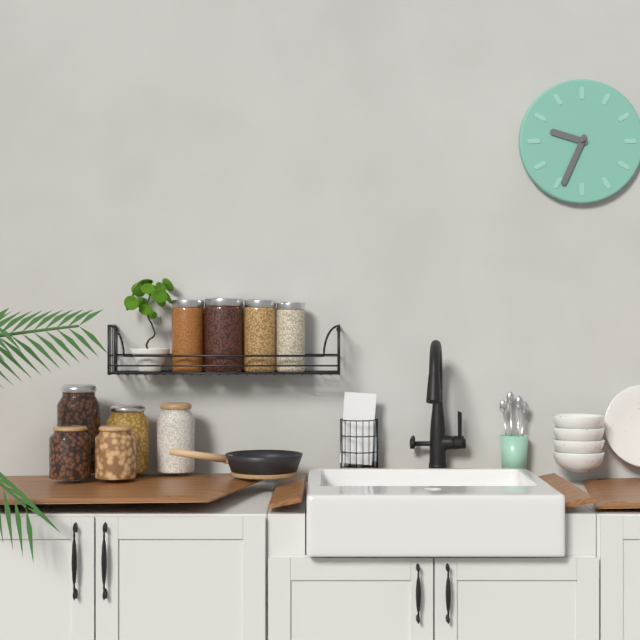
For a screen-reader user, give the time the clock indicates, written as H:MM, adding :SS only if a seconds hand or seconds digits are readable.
9:34
